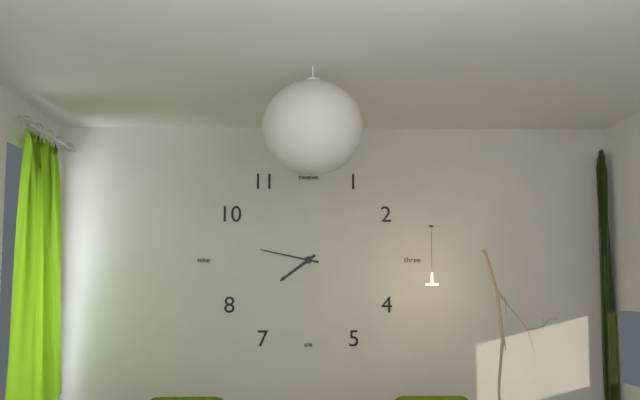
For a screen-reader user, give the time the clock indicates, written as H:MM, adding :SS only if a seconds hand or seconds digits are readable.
7:47
